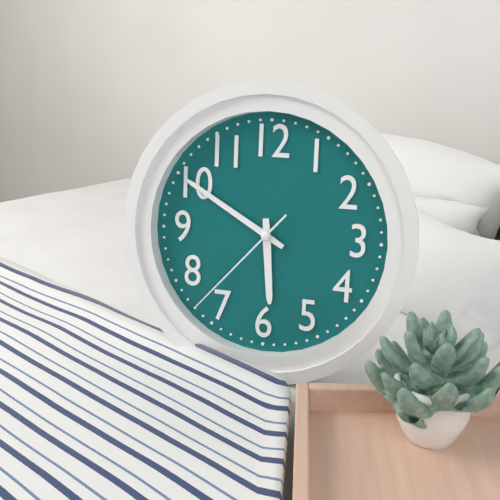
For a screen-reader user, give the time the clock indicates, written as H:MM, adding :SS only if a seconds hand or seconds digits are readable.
5:50:37
